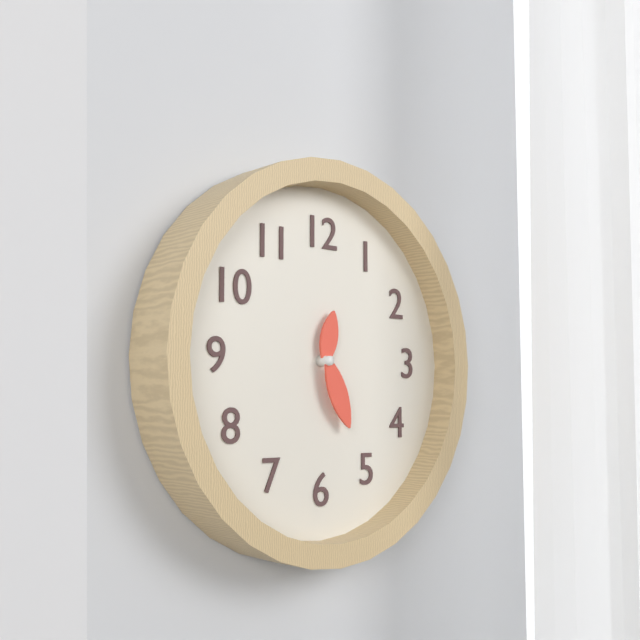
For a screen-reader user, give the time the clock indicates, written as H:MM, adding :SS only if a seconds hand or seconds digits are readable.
12:26
